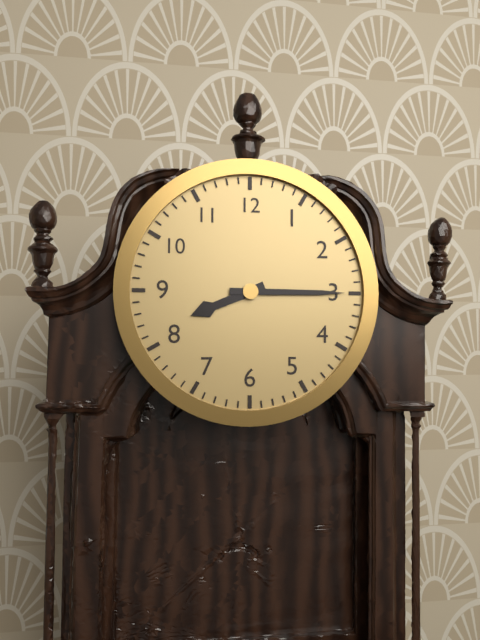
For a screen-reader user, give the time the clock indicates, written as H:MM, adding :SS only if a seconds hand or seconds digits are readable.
8:15
